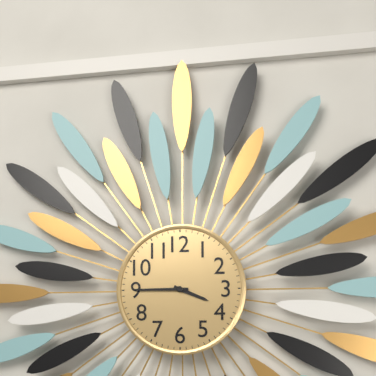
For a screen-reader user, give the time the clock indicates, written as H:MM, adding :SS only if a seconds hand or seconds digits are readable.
3:45
